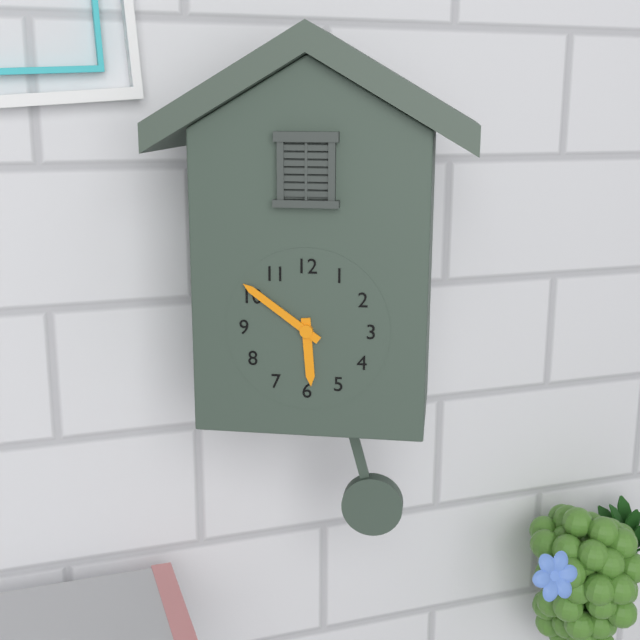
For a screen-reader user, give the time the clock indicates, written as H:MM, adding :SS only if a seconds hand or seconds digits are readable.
5:51
